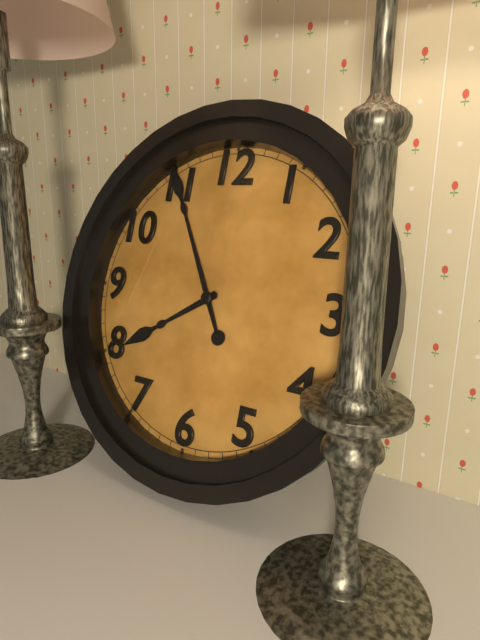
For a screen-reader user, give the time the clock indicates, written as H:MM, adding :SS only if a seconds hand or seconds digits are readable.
7:55
